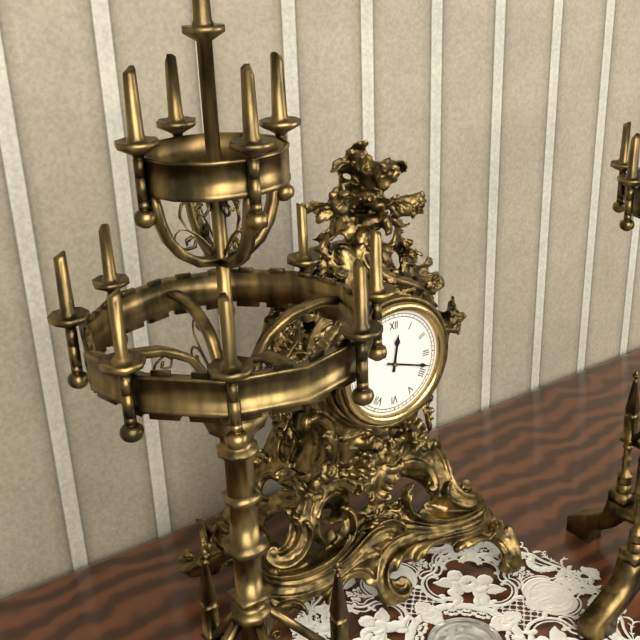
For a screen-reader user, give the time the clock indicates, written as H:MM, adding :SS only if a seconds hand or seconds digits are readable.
12:18
